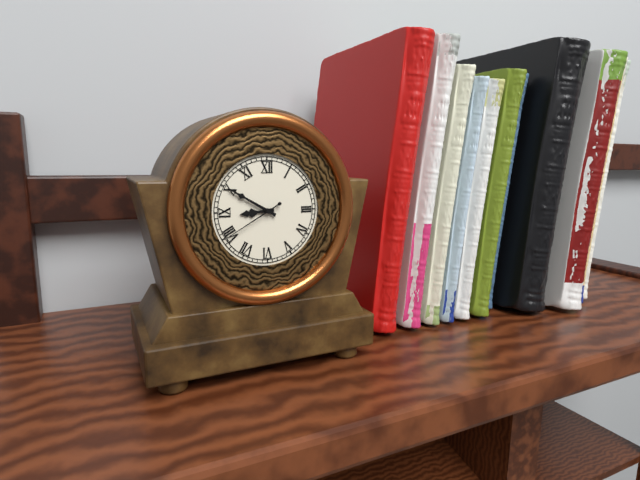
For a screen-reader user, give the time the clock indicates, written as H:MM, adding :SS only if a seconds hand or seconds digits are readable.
8:50:40
